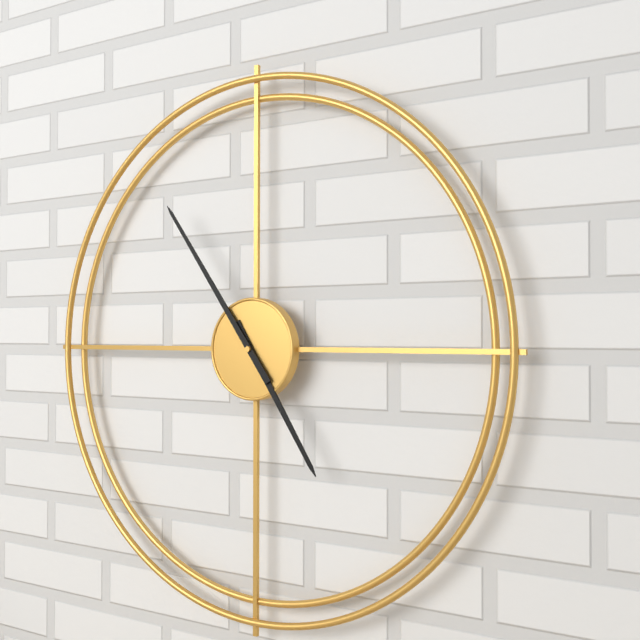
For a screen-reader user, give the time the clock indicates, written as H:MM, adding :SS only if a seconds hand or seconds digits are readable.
4:54
